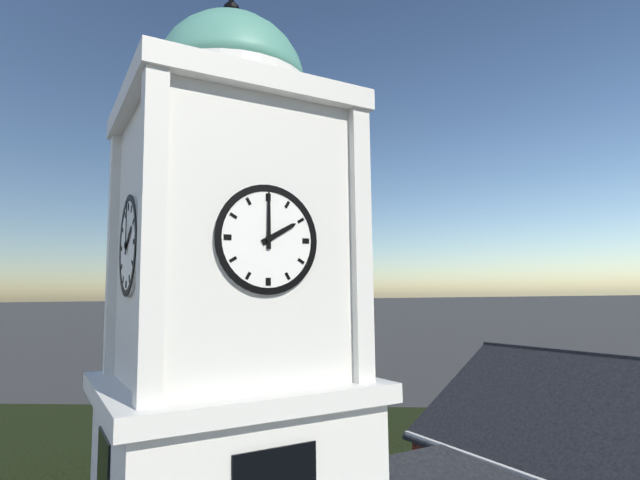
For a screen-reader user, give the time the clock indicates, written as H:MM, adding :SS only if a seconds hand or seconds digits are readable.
2:00
